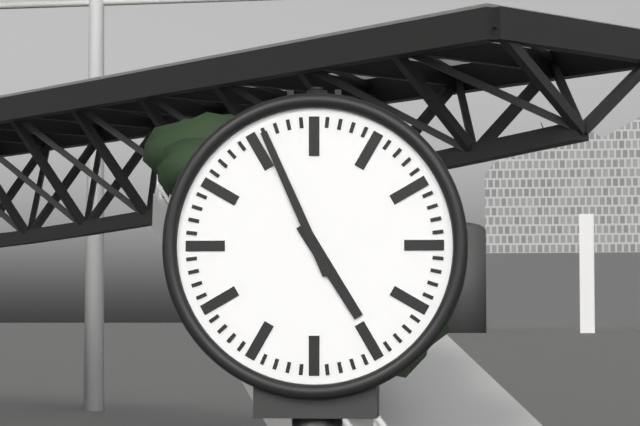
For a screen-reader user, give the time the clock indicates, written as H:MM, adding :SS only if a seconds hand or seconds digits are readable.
4:56
